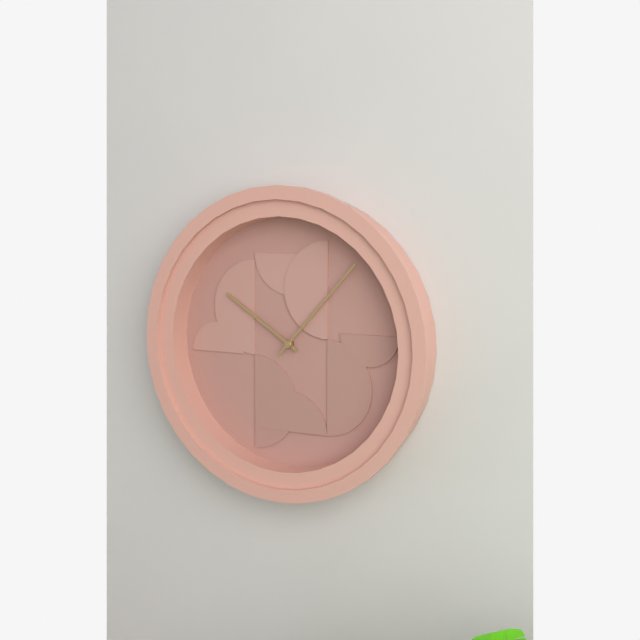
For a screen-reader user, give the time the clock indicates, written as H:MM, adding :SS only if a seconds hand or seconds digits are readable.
10:07
